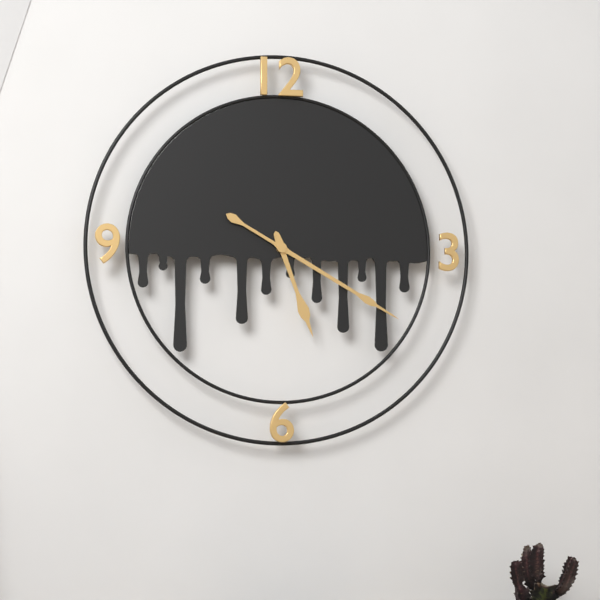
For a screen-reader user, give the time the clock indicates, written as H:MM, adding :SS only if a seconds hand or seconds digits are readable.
5:20
